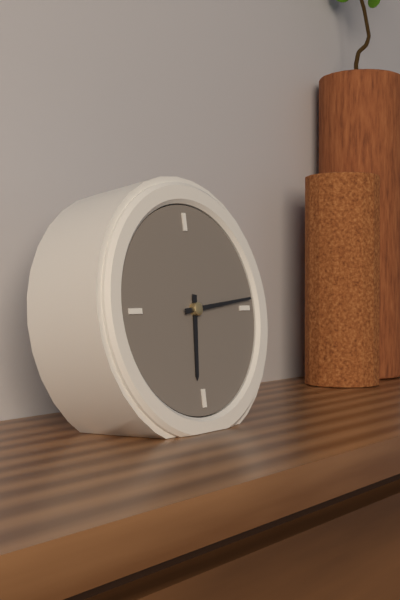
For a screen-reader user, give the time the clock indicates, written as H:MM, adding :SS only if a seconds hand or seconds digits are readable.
6:14
